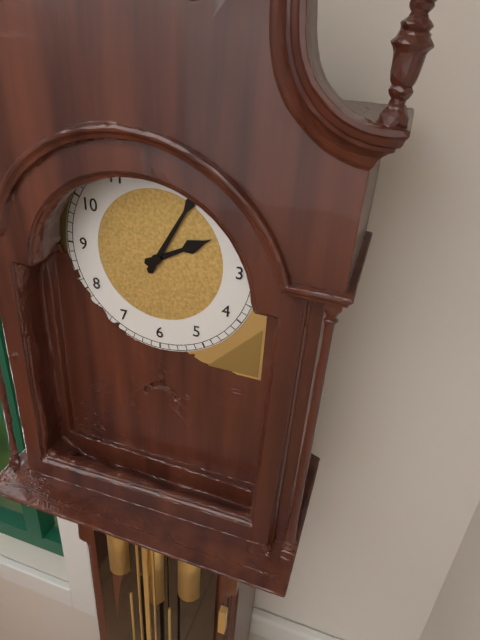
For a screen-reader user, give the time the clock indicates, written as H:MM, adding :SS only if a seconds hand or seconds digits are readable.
2:05
